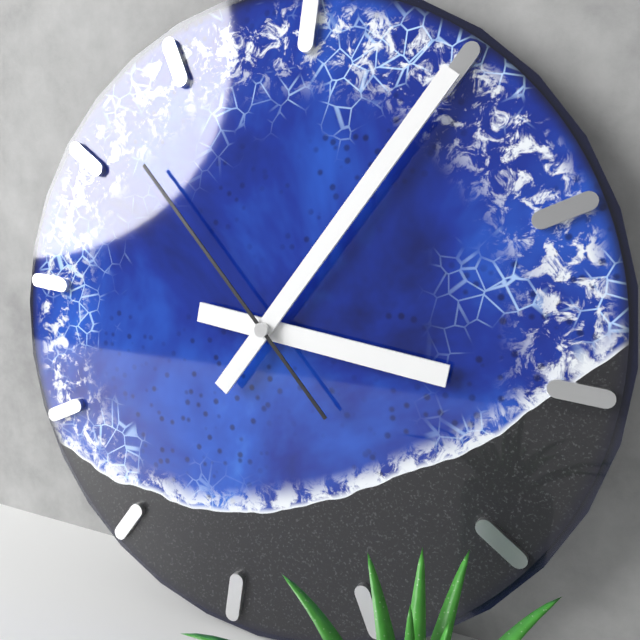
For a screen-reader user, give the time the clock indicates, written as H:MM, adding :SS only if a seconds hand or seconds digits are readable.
3:05:52
